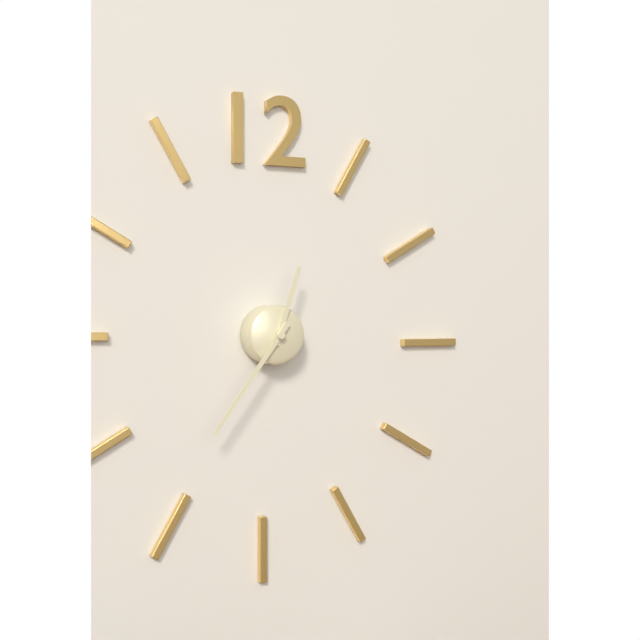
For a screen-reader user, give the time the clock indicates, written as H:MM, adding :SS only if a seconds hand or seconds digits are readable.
12:36
